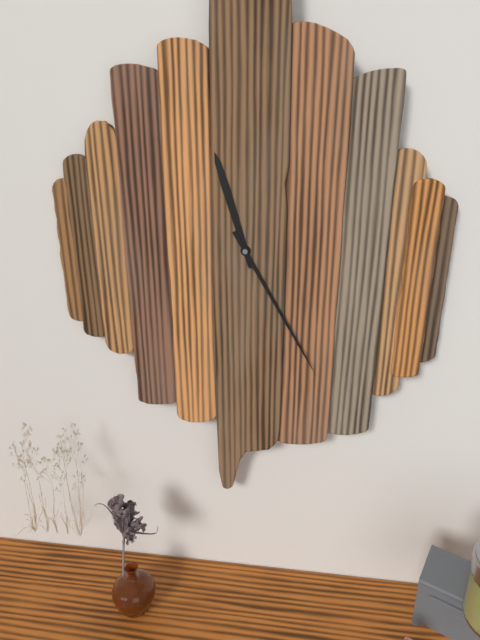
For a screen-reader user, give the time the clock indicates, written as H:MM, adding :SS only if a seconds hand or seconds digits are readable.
11:25
